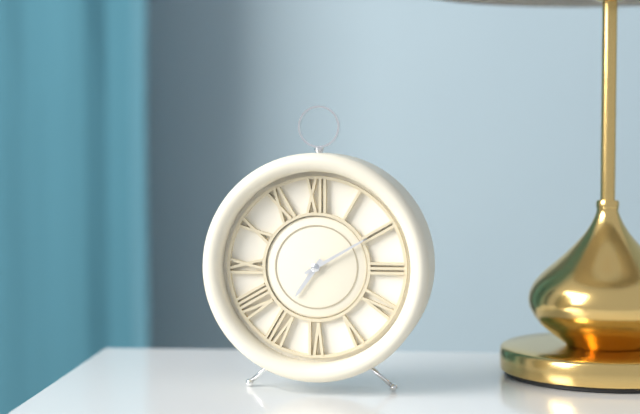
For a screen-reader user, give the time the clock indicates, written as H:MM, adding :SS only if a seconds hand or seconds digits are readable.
7:10
